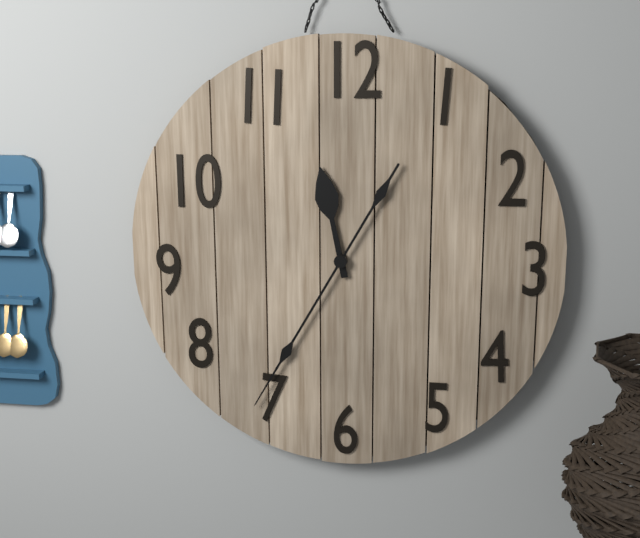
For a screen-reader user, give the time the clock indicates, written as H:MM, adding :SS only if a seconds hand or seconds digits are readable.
11:35
